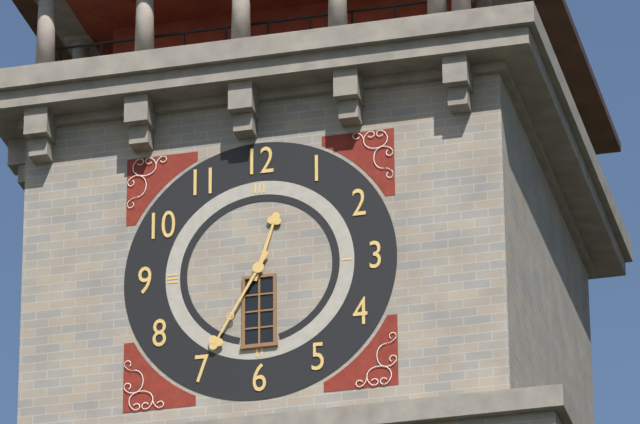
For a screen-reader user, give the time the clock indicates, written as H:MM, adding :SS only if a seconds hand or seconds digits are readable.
12:35
